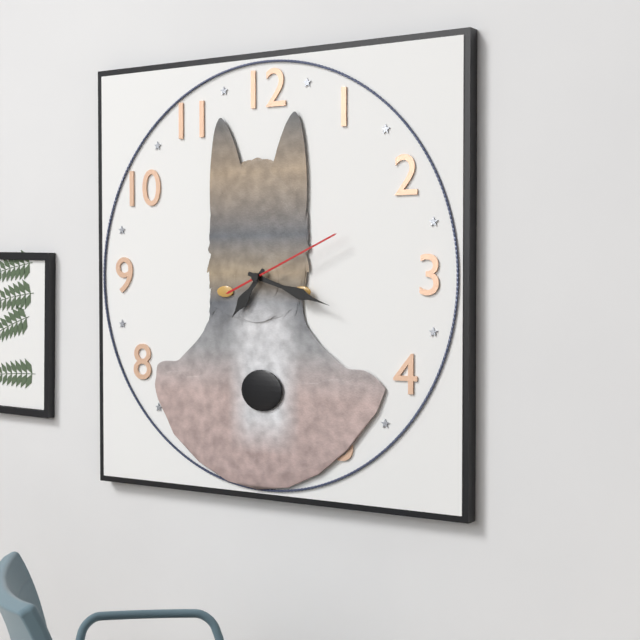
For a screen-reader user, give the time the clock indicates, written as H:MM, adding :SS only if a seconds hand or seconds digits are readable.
7:18:11
